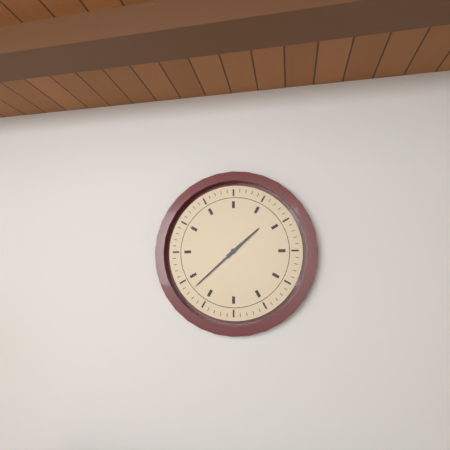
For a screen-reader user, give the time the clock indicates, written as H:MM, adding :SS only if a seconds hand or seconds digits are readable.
1:38
